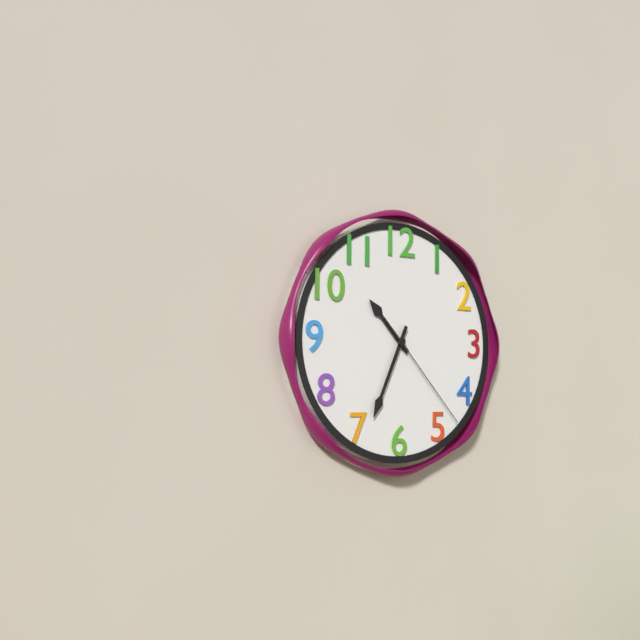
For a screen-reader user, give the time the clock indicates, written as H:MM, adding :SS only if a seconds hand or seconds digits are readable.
10:34:23
